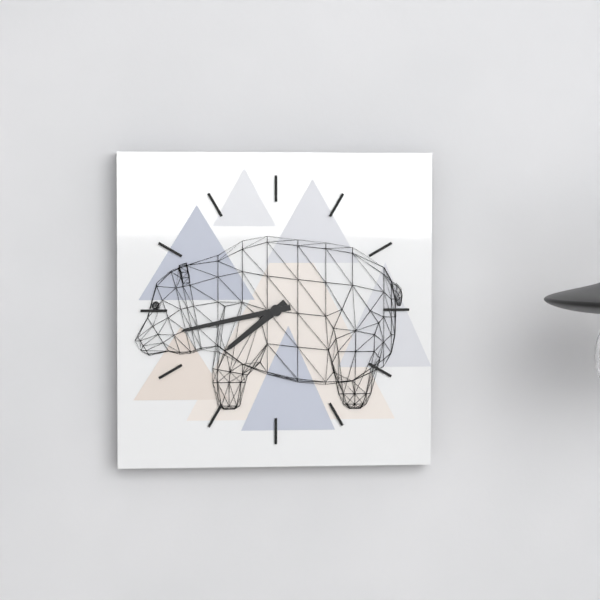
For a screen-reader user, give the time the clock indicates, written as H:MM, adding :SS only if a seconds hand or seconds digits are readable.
7:43
